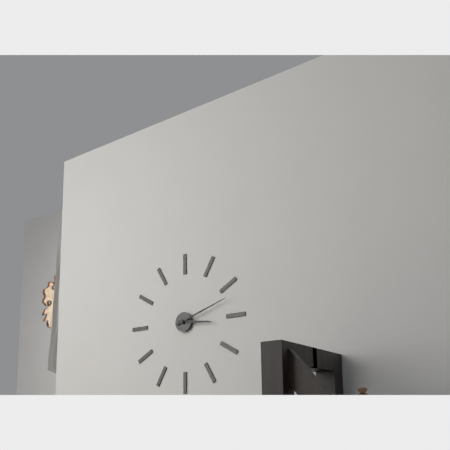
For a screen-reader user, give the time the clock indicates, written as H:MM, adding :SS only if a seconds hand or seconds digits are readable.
3:12
